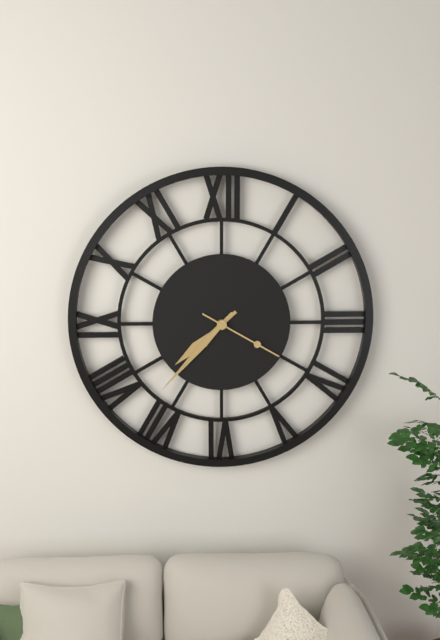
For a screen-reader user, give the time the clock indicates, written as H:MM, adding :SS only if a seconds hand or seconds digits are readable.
7:37:20
